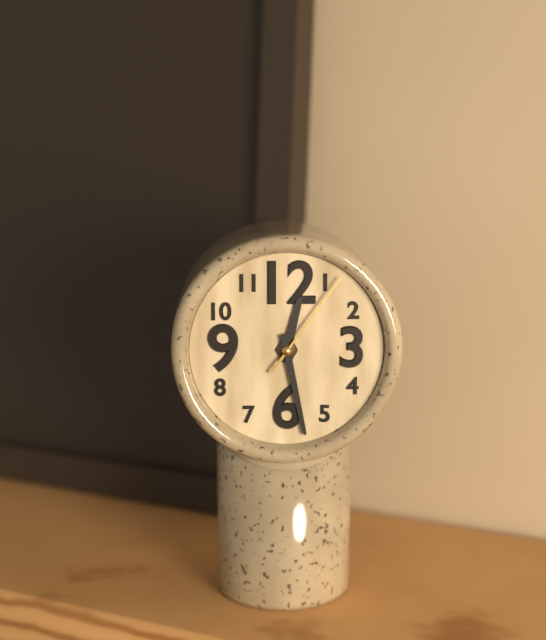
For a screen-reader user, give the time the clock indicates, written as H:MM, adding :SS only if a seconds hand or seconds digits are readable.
12:28:06
